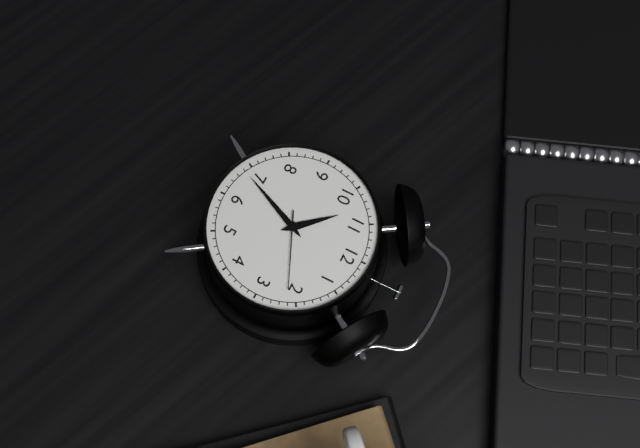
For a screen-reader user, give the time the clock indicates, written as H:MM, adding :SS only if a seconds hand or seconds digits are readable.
10:34:11
